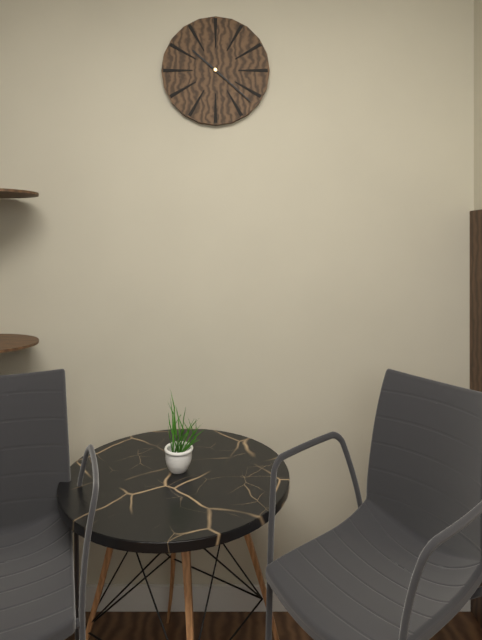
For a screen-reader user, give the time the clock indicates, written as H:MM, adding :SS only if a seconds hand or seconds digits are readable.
10:22
